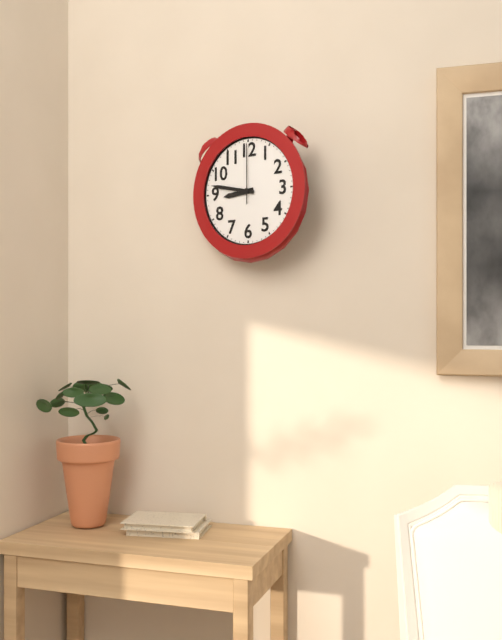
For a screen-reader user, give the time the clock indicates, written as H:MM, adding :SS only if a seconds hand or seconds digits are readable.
8:47:00
